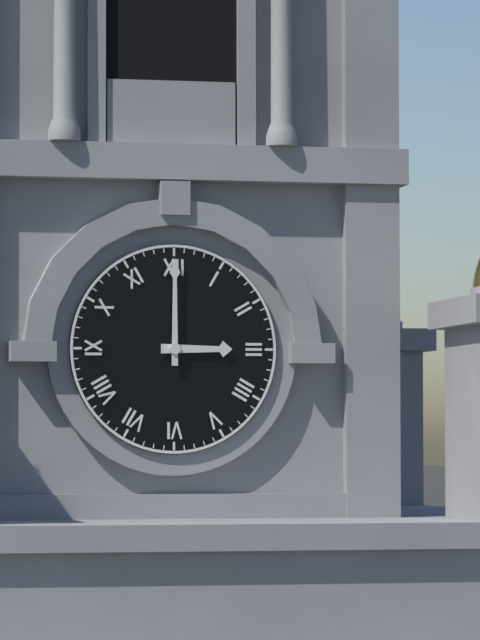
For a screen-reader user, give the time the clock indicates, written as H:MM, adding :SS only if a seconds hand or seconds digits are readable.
3:00
